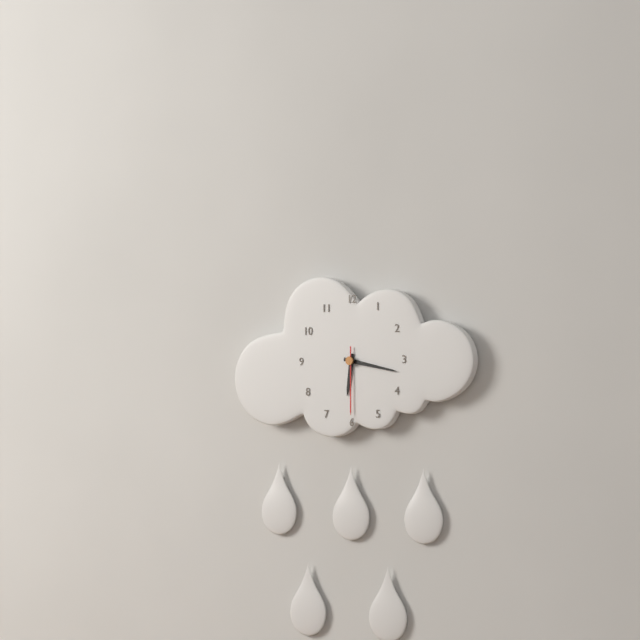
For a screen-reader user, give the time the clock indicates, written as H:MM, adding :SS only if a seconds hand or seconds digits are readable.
6:17:30
